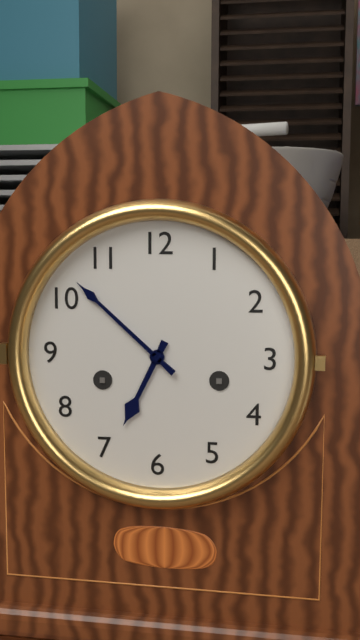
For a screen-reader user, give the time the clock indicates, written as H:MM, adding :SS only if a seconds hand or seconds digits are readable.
6:52
